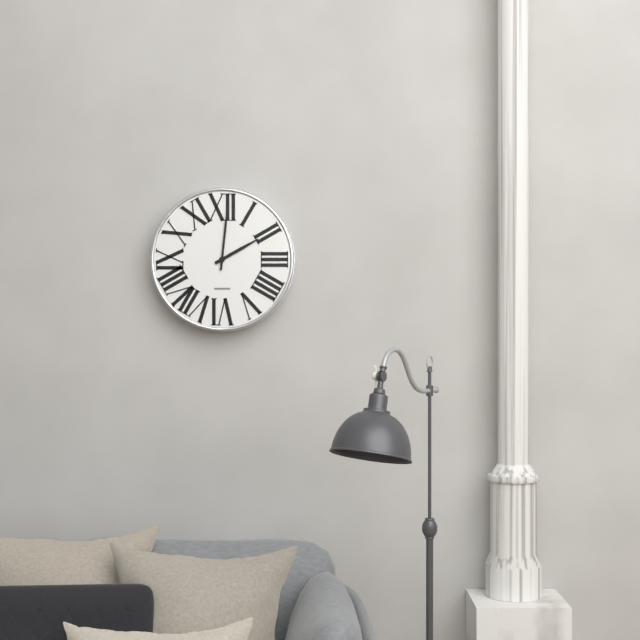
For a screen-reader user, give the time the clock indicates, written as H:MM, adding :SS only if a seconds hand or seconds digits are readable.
2:01
